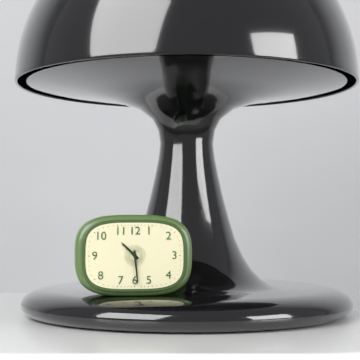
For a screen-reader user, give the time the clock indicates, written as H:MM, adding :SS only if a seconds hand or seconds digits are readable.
10:29
